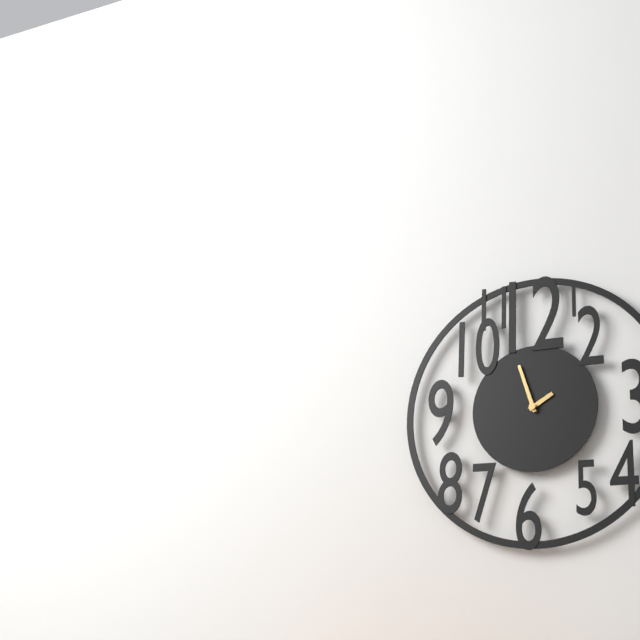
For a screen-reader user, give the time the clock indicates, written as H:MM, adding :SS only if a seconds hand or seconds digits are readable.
1:57
